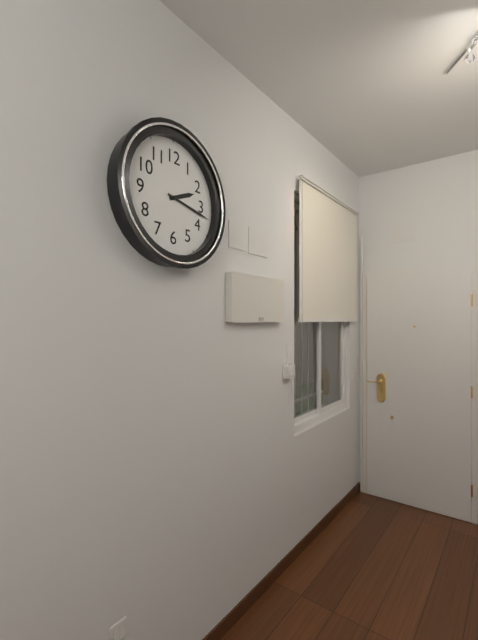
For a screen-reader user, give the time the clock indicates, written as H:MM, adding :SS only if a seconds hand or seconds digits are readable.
2:17
